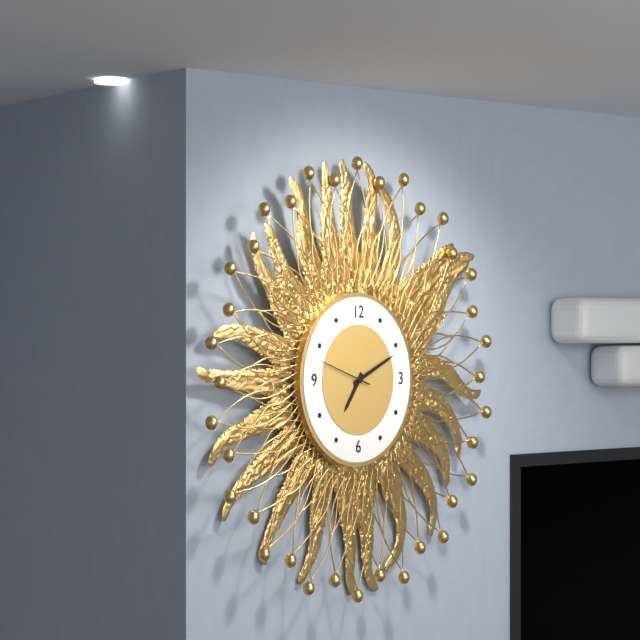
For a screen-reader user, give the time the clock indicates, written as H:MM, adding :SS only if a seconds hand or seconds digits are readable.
7:11:48
